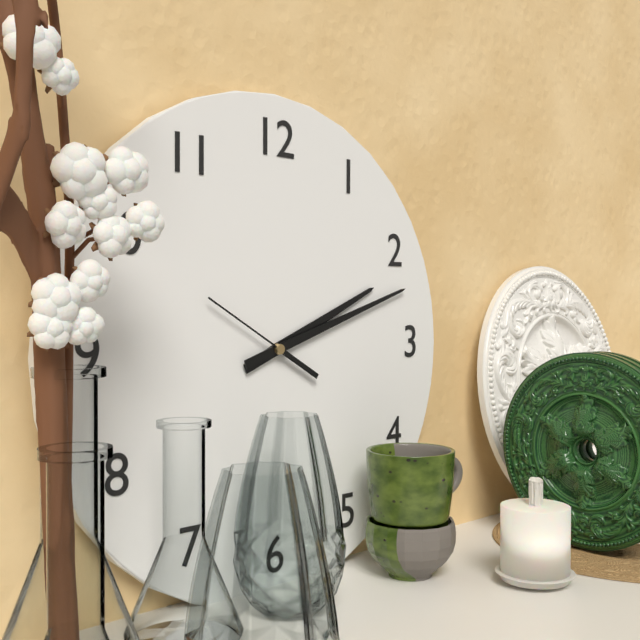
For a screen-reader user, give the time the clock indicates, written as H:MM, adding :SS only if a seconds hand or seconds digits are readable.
2:12:50
